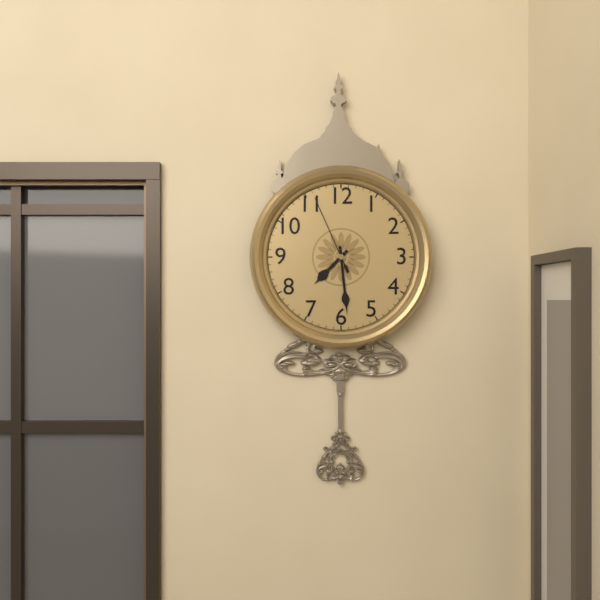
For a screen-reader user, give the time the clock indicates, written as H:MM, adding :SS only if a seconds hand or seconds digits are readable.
7:29:56
